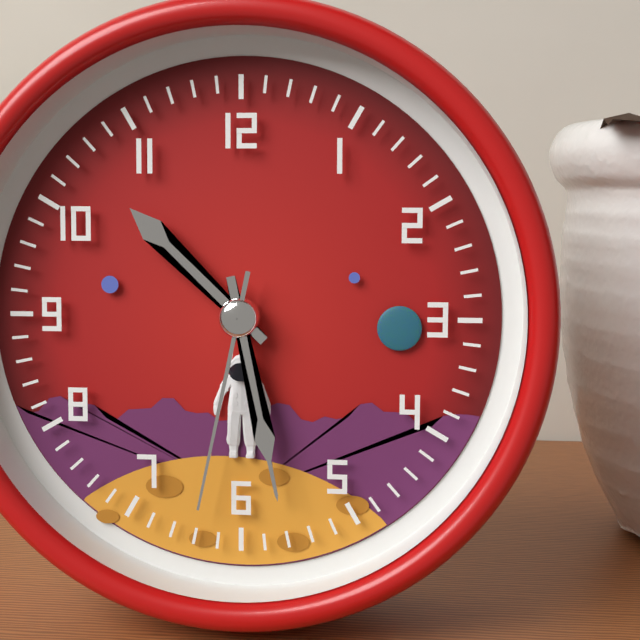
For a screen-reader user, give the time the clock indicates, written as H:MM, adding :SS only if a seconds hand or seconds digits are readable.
10:28:32
